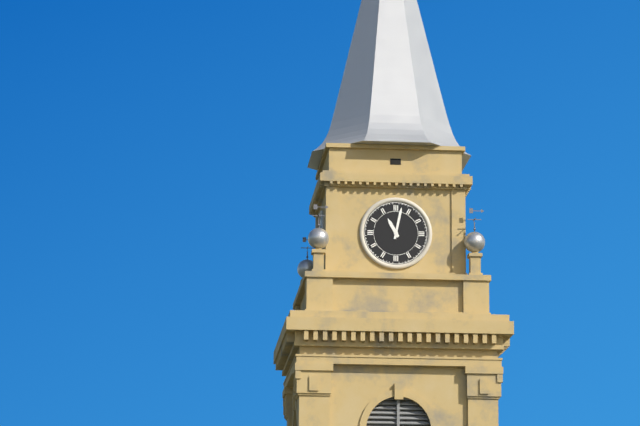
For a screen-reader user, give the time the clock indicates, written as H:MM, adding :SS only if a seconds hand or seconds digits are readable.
11:02
